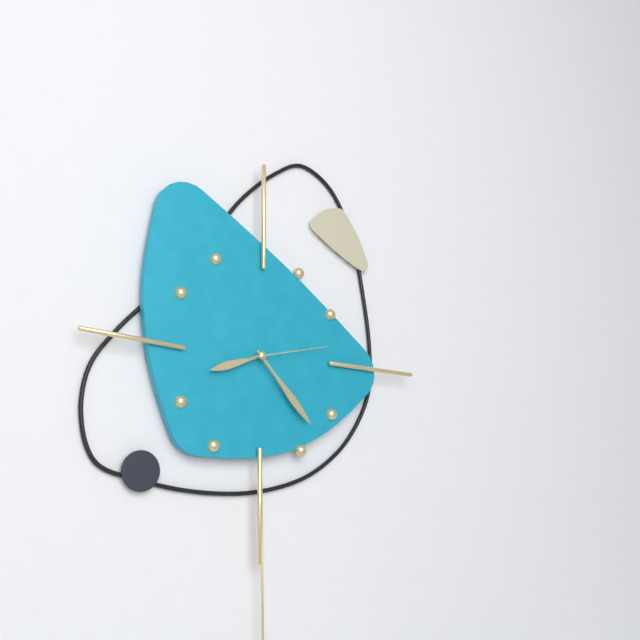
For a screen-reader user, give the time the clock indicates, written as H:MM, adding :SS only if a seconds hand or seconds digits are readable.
8:23:13
